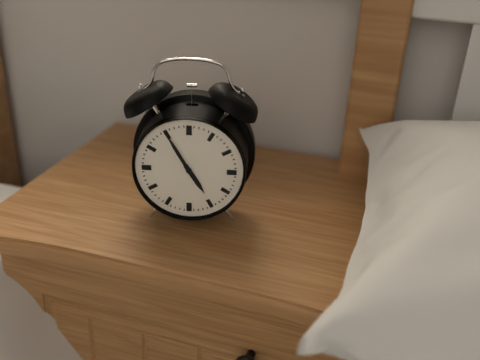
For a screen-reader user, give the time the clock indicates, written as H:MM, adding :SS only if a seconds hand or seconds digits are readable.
4:55
